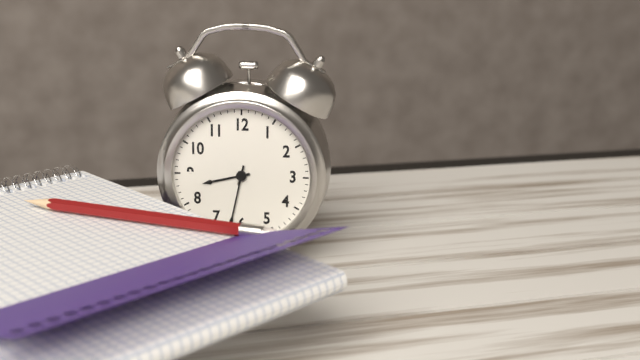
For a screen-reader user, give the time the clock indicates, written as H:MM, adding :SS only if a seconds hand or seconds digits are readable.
8:32
